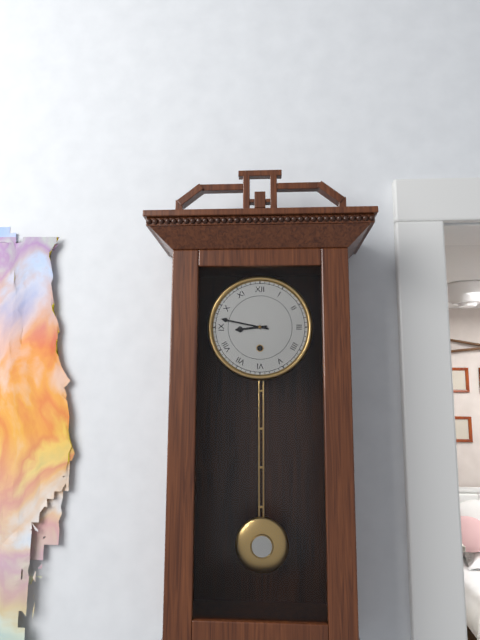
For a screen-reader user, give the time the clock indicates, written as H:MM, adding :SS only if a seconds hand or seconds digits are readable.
8:47
